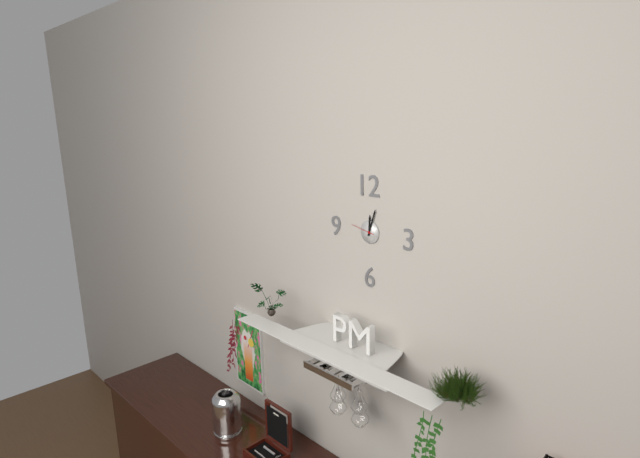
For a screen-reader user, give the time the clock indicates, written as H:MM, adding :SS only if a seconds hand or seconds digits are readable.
12:03
